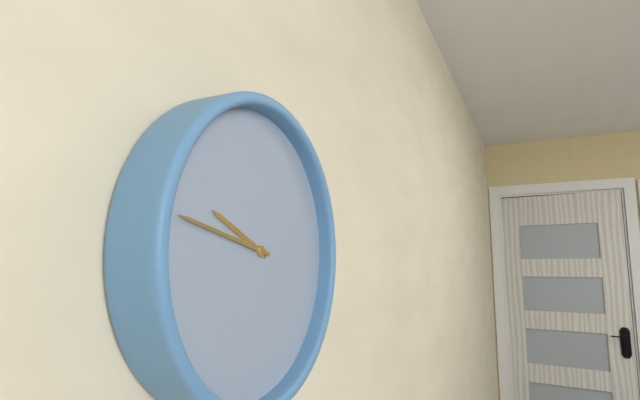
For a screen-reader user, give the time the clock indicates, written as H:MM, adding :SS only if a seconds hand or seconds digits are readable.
9:47
